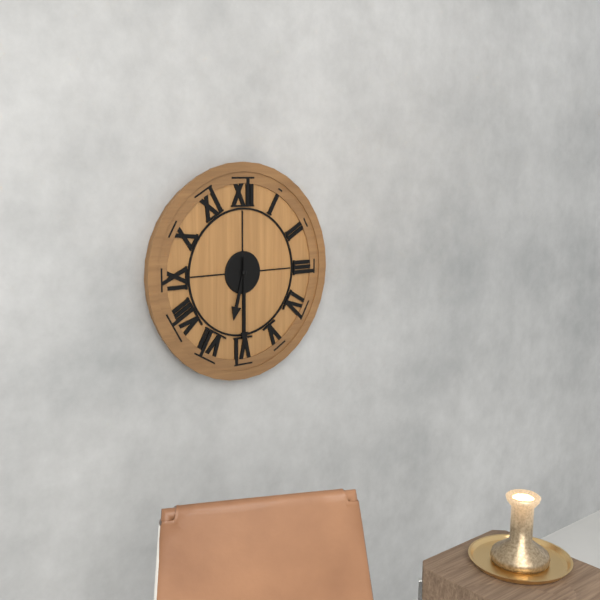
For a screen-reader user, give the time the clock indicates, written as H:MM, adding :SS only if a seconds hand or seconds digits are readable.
6:30
